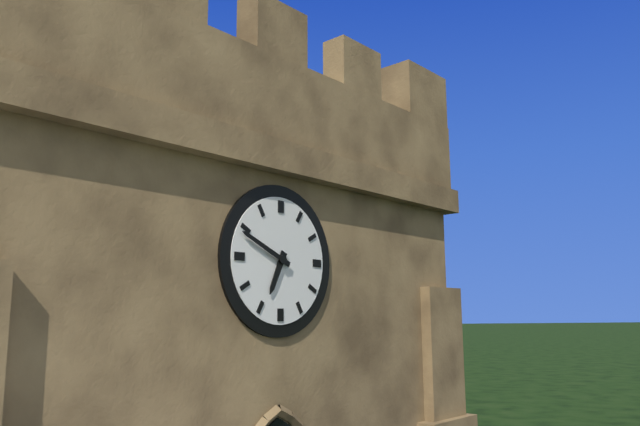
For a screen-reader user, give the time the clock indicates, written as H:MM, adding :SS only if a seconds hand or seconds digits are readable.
6:49
